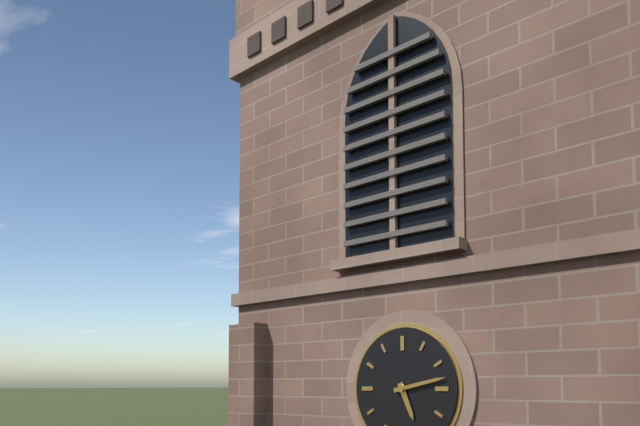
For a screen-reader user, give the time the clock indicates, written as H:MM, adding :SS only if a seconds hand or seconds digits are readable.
5:13
